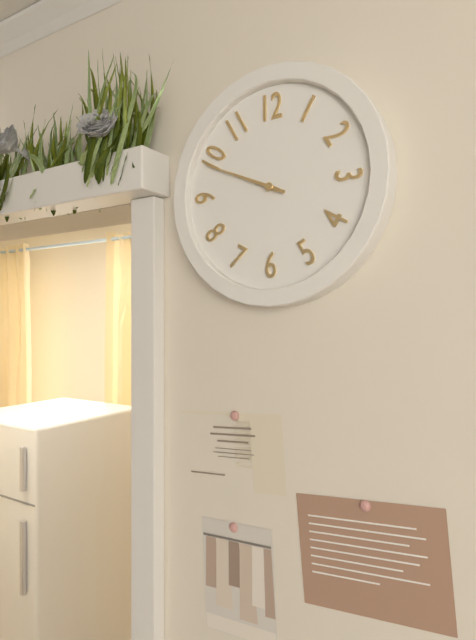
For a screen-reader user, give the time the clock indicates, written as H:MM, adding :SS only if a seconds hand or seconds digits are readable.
9:49
